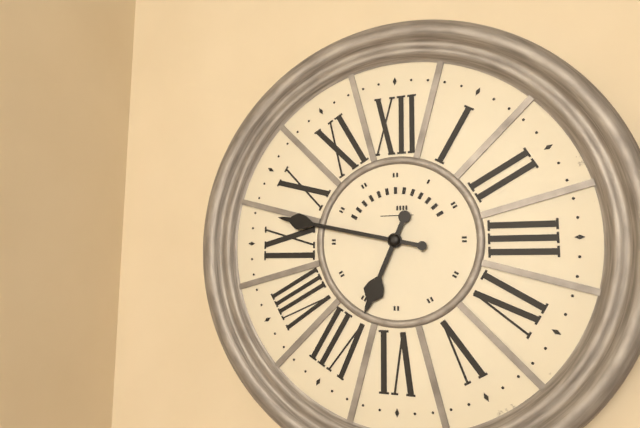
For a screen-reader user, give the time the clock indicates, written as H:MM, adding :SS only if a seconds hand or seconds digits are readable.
6:47
